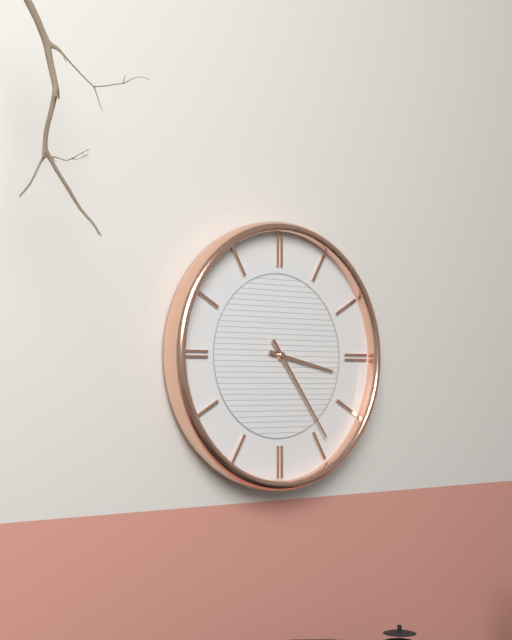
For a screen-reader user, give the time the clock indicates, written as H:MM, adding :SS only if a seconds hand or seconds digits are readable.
3:24
